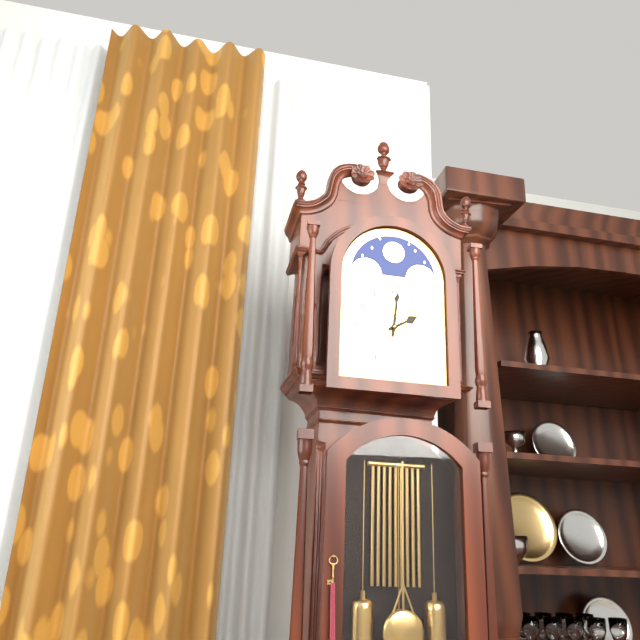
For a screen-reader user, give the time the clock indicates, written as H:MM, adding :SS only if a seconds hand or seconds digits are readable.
2:01
